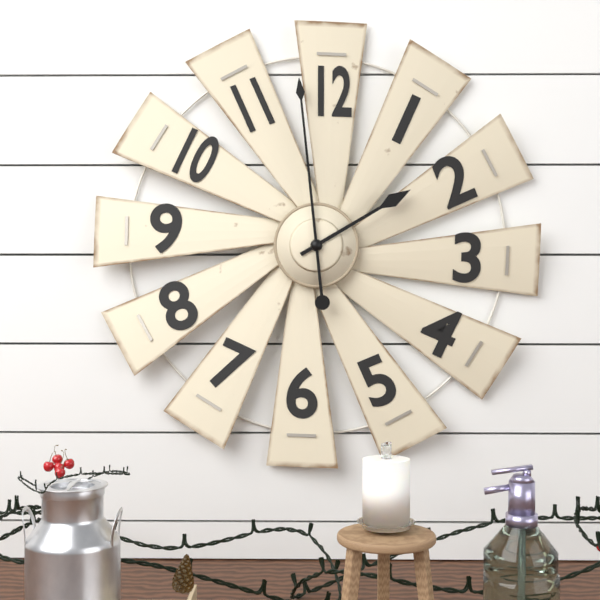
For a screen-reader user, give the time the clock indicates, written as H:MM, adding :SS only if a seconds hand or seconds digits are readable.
1:59
